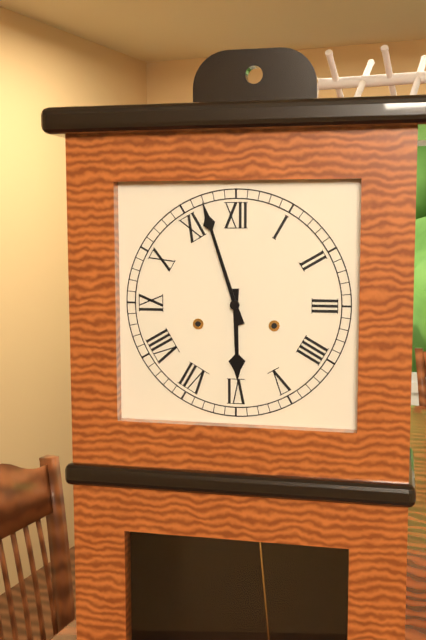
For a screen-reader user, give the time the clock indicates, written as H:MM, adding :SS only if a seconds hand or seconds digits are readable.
5:57
